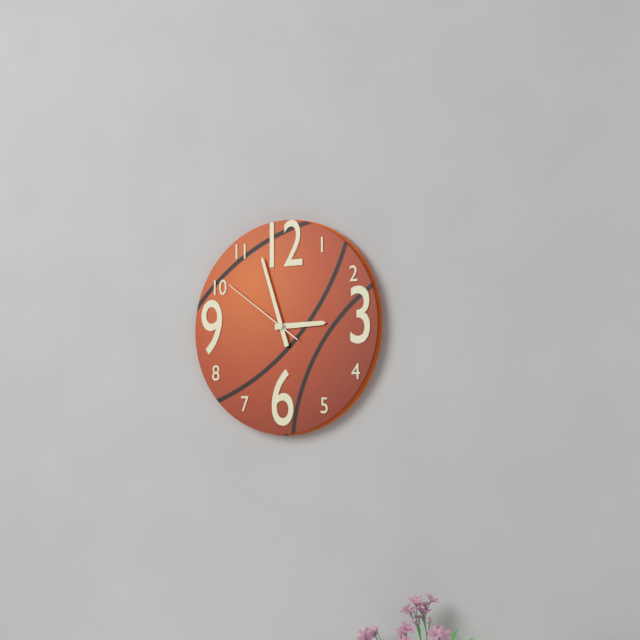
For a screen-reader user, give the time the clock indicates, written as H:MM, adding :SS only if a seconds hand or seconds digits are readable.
2:57:51
